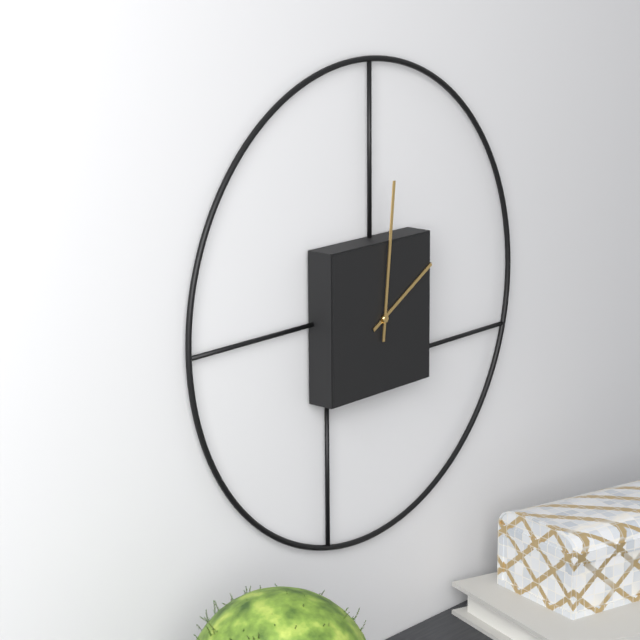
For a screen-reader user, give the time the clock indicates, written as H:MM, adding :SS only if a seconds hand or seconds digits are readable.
2:01
